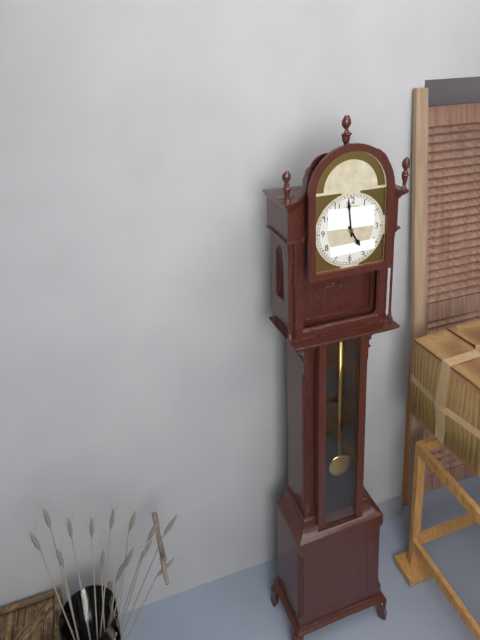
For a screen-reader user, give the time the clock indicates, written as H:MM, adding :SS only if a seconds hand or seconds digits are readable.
4:59
